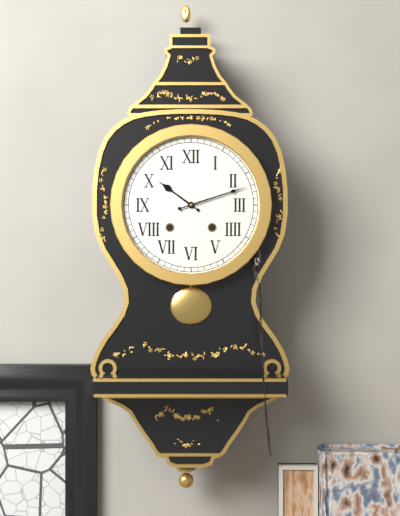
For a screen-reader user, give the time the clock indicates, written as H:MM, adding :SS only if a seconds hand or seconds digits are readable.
10:12
